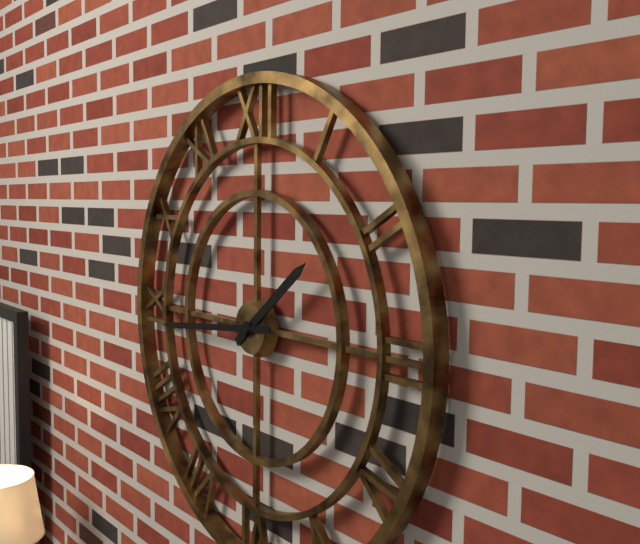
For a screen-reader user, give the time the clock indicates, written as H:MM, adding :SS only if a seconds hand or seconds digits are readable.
1:44
